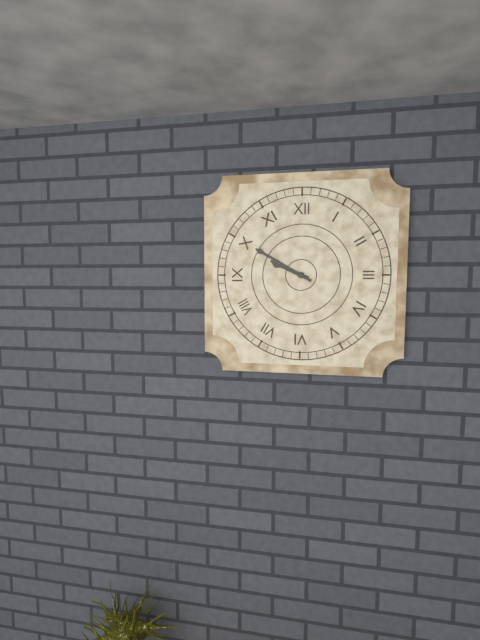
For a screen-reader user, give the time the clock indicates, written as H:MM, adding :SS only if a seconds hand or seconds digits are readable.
9:50
